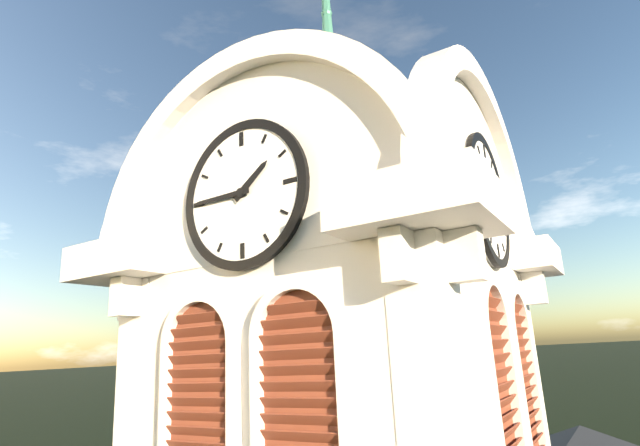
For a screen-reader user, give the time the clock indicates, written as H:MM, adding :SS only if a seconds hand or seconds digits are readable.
1:45
